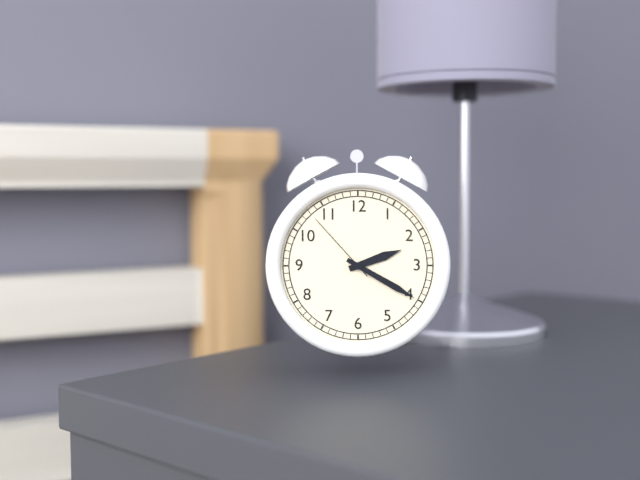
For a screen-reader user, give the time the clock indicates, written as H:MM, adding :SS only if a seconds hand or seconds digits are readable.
2:20:53
